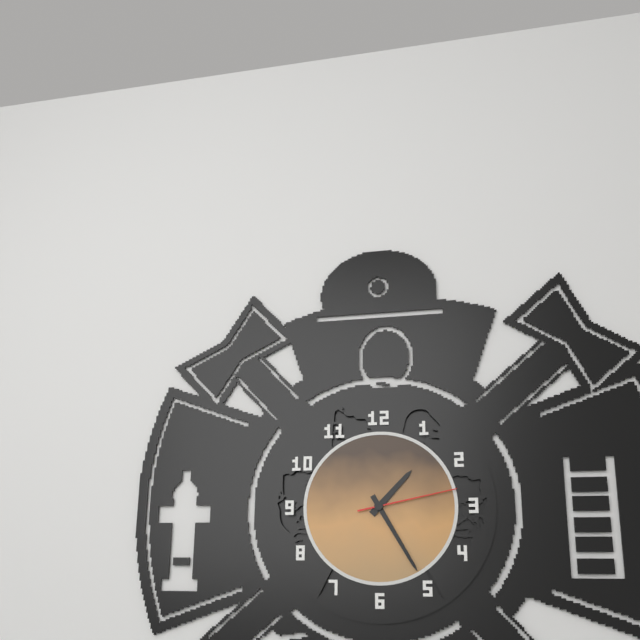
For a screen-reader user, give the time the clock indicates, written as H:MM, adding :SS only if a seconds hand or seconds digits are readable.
1:25:13
